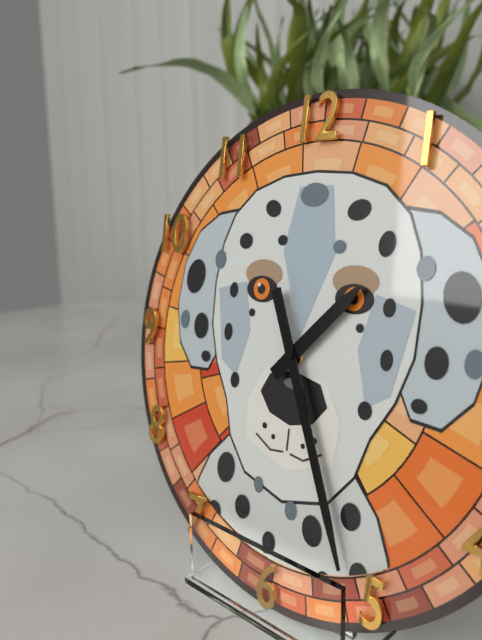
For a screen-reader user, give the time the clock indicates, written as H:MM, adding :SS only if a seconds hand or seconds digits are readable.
1:26
